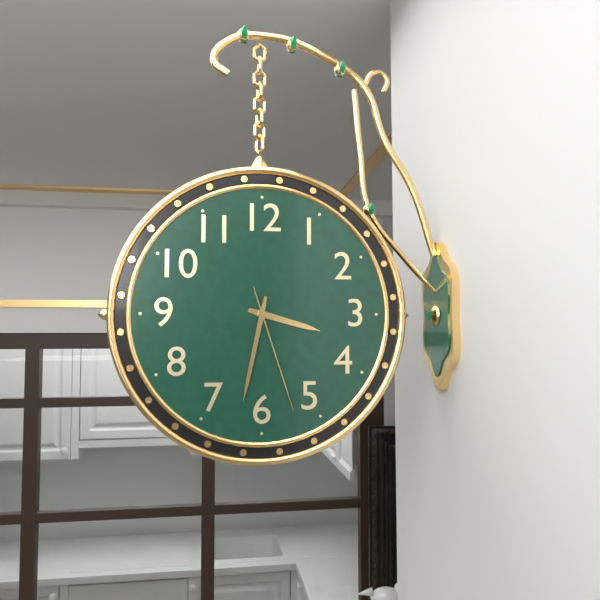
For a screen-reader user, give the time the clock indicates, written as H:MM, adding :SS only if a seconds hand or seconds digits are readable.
3:32:27
